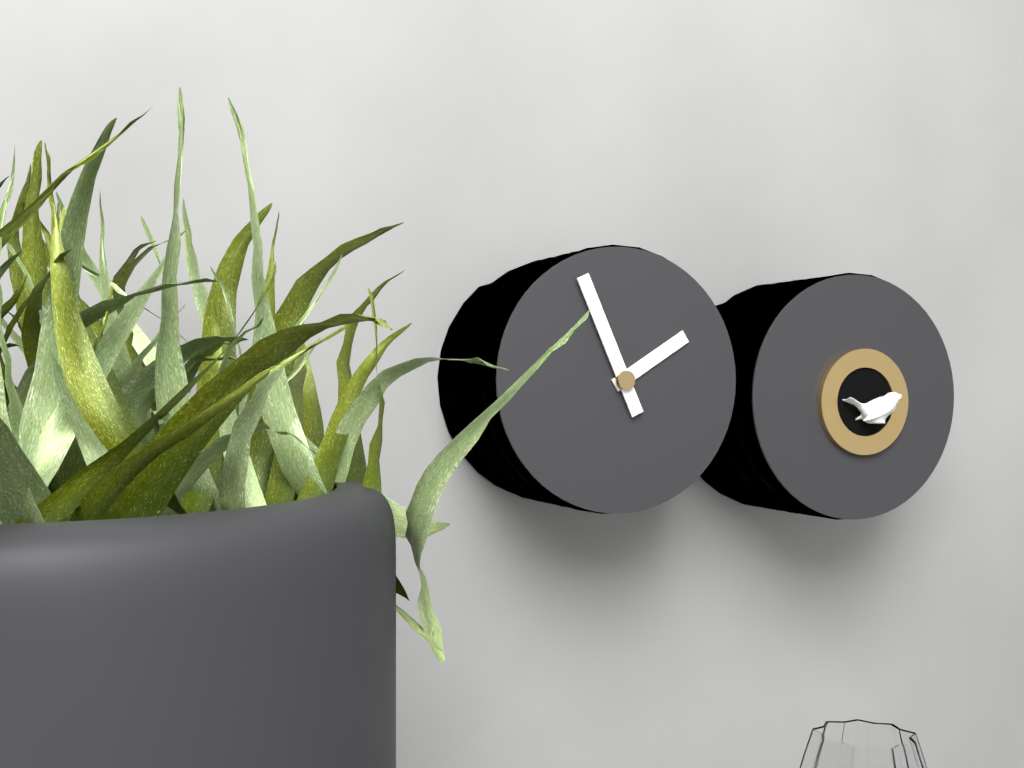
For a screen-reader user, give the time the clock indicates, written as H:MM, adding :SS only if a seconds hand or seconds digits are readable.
1:56
